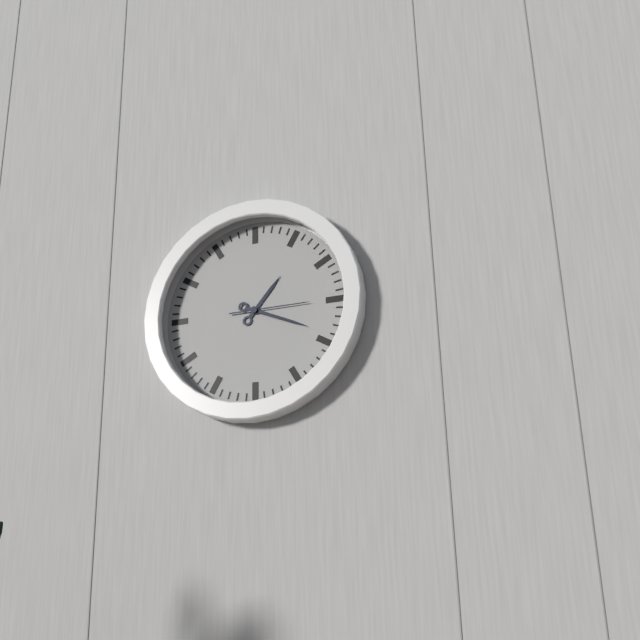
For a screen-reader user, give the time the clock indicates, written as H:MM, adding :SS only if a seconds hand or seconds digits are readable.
1:19:15
